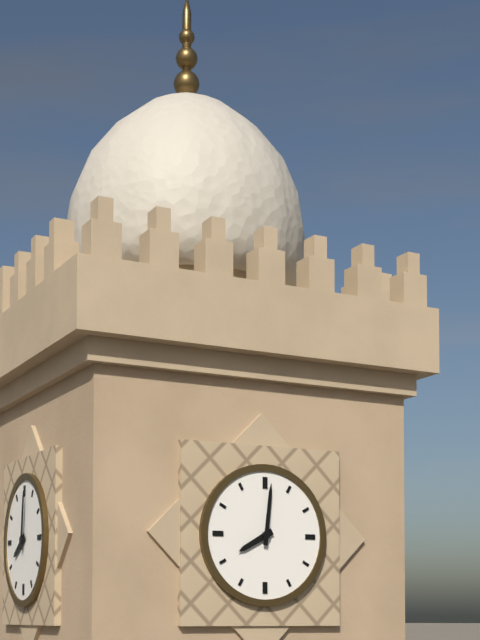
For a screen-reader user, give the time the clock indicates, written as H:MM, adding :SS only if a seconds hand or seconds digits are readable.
8:01
